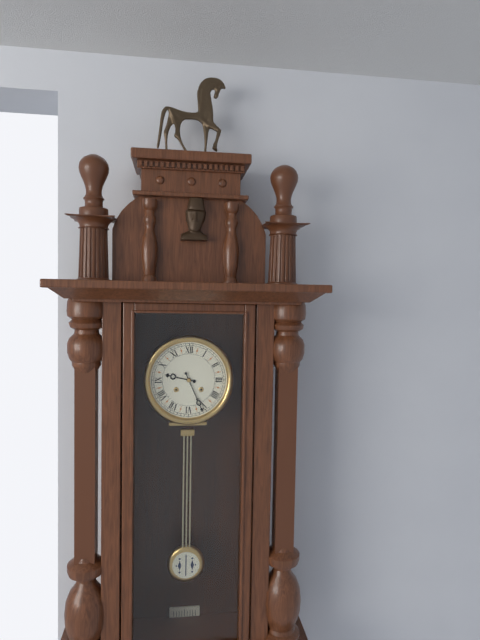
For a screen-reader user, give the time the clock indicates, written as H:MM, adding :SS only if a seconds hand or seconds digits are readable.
9:26
